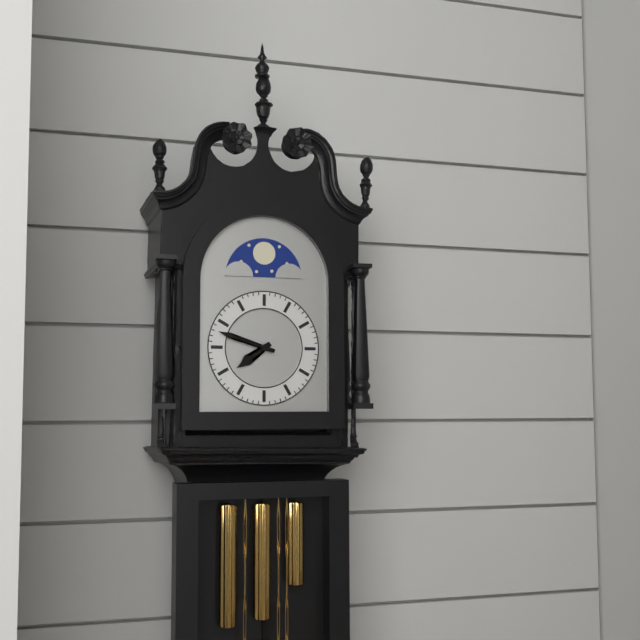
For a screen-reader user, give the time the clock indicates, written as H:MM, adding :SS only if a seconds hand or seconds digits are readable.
7:48
